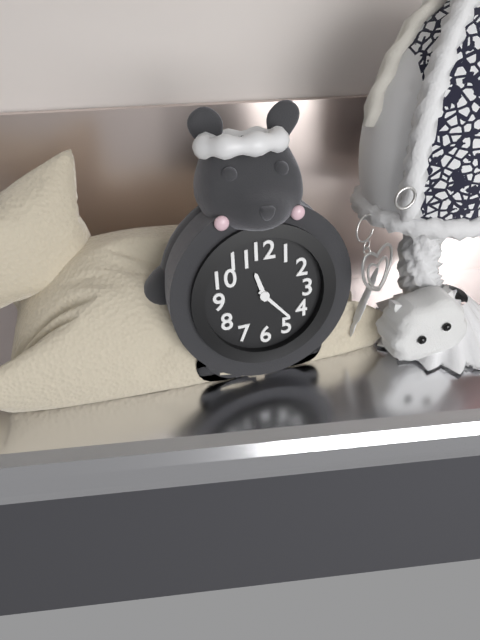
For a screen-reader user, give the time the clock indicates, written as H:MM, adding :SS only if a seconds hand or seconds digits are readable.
11:23
